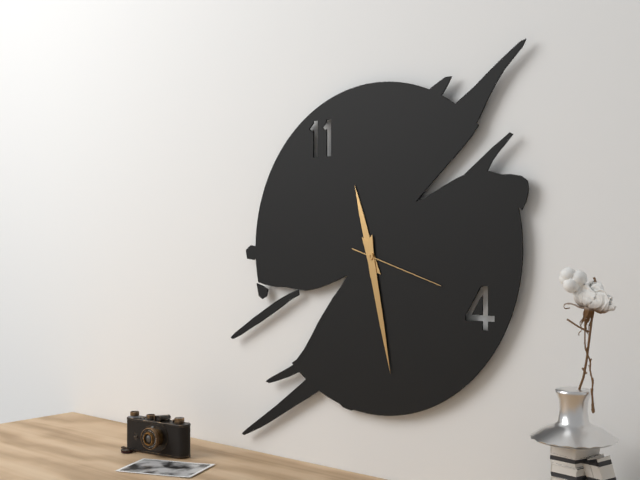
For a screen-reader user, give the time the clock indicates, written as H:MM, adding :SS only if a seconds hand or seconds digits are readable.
11:28:18
